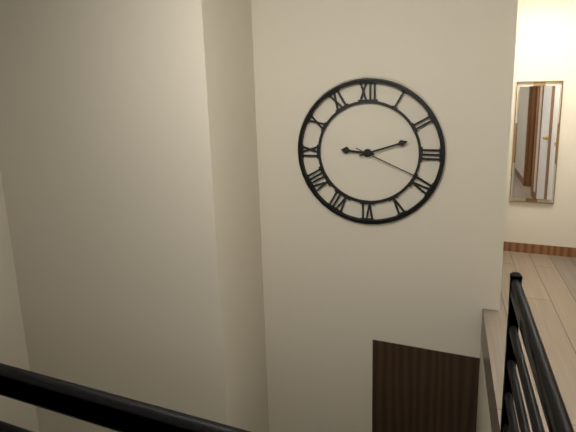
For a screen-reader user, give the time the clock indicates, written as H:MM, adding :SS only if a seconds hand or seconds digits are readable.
9:12:19
